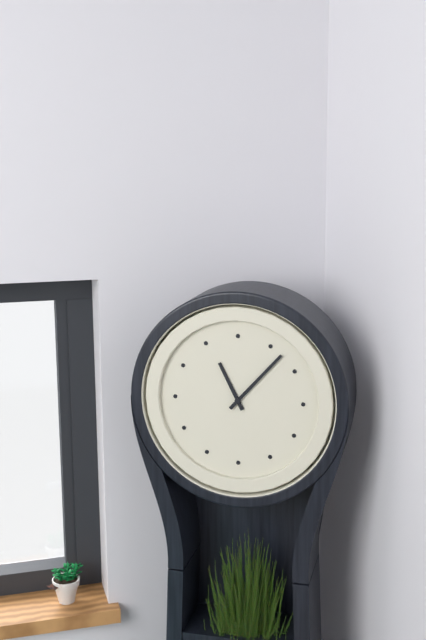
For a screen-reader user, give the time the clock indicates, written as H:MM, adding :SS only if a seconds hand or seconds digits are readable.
11:07
